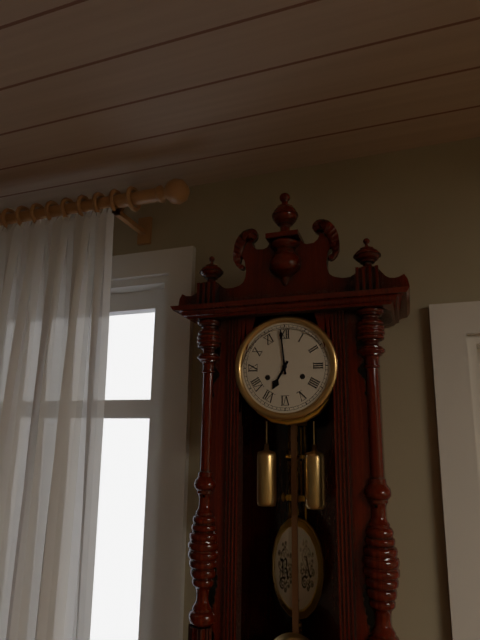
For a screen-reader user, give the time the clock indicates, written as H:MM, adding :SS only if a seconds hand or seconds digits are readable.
6:59
